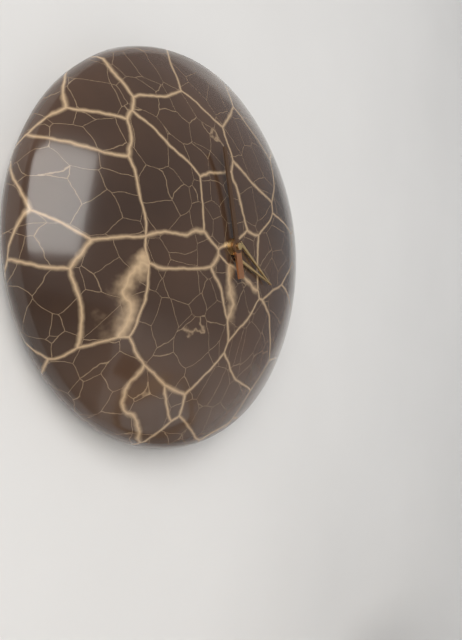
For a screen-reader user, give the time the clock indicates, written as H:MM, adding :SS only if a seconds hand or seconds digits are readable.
3:58
